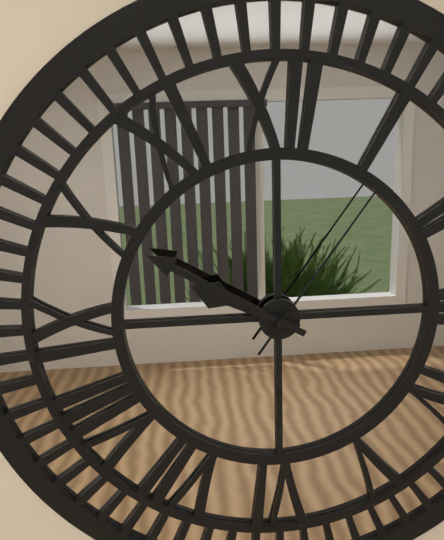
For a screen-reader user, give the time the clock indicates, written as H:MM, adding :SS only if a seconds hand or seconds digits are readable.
9:50:06
